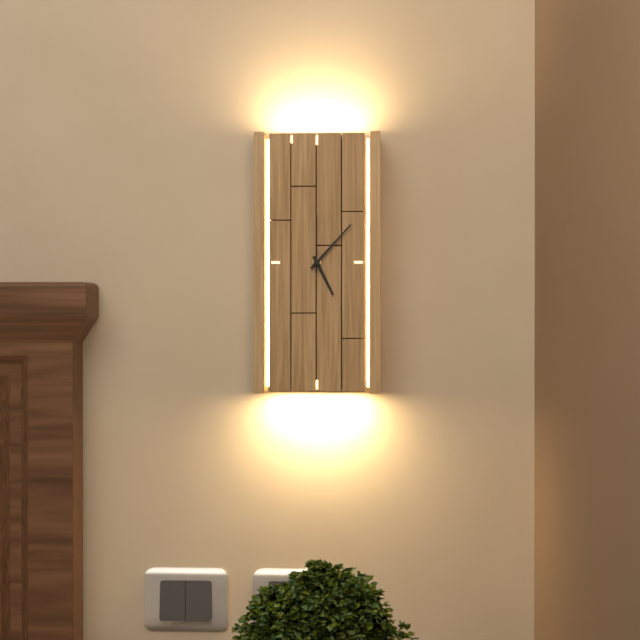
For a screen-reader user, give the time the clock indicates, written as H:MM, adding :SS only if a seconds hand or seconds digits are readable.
5:07:00
